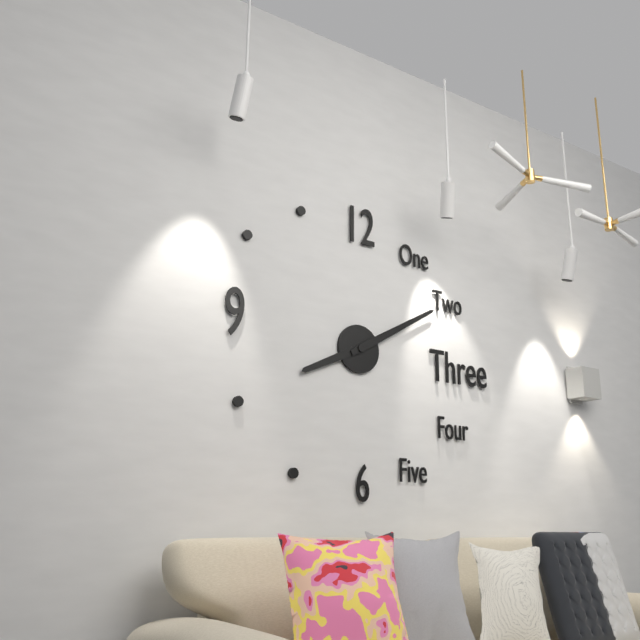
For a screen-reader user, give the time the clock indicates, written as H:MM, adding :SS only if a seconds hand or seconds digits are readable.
8:10
